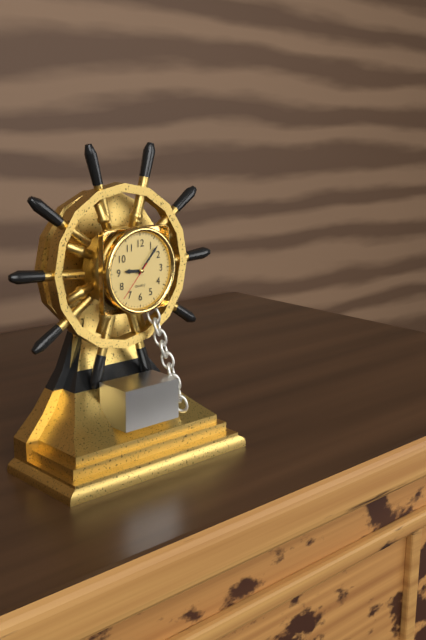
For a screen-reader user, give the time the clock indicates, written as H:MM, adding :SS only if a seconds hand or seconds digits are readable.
9:07
